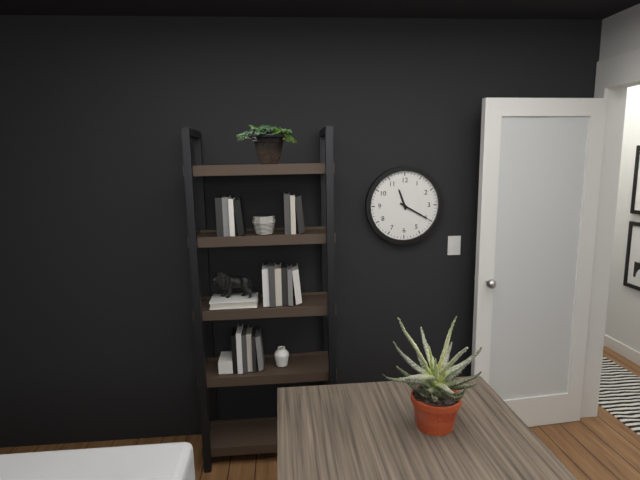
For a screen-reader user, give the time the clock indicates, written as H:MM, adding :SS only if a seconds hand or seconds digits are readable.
11:20
